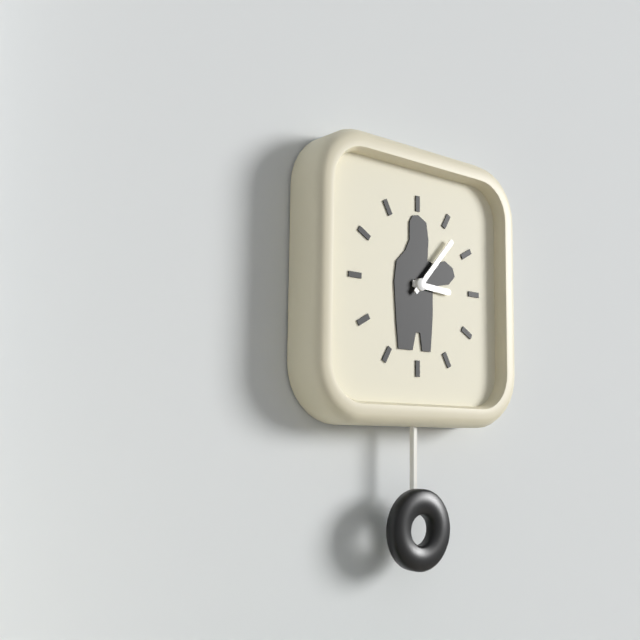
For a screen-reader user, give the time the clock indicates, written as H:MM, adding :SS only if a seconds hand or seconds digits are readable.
3:07
